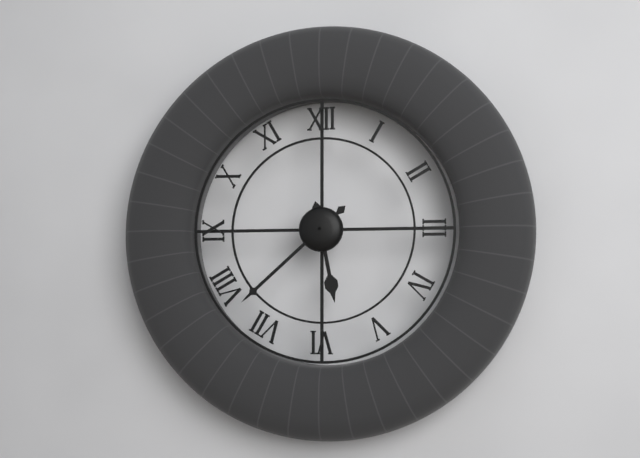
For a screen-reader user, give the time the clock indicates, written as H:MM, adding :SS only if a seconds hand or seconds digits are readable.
5:38
